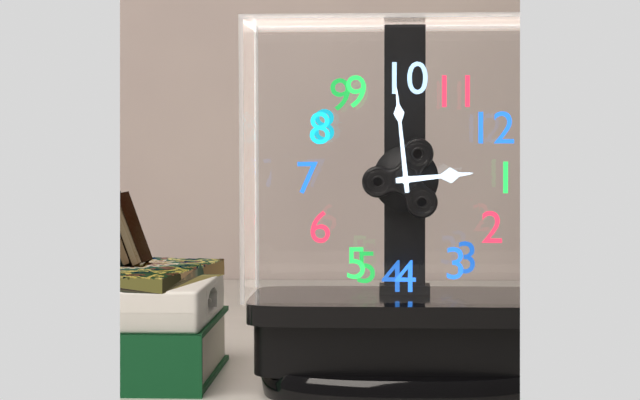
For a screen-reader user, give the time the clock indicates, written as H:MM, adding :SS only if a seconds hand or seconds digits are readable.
12:49
